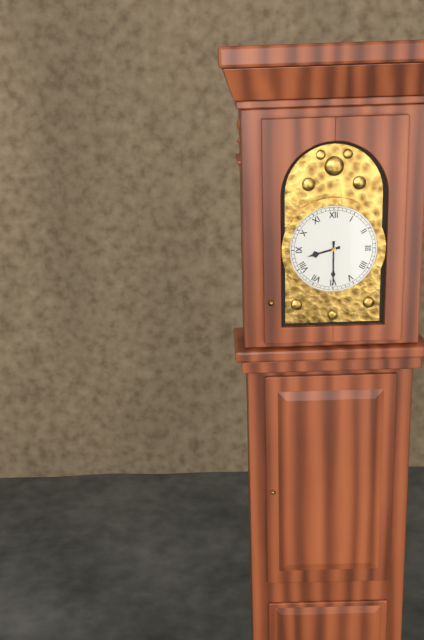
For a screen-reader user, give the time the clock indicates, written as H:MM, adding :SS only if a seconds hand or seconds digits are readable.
8:30
